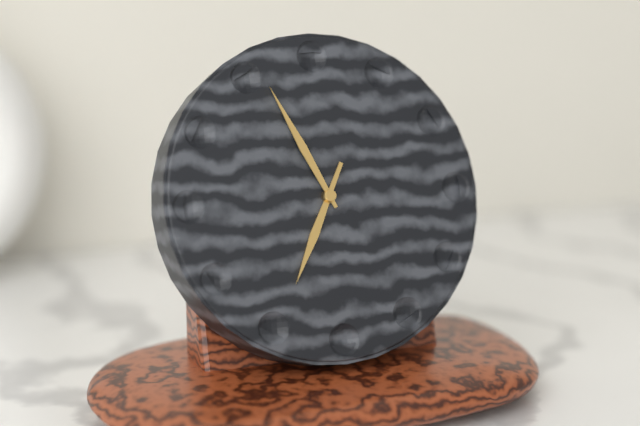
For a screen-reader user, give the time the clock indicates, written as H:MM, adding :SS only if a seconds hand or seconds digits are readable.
6:56
